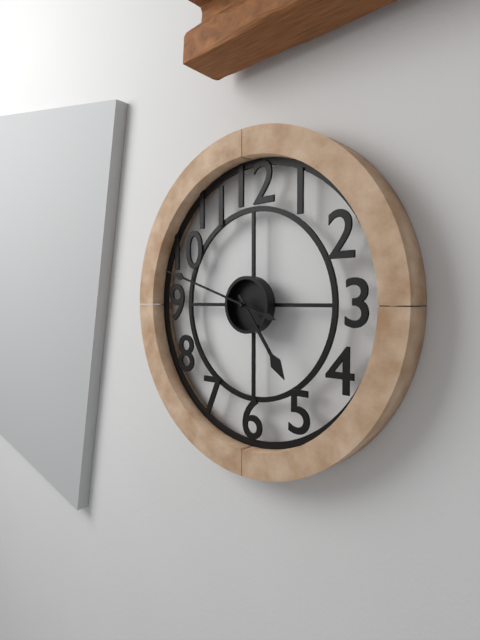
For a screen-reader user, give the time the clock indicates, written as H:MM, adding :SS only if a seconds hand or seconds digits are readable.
4:48:48
